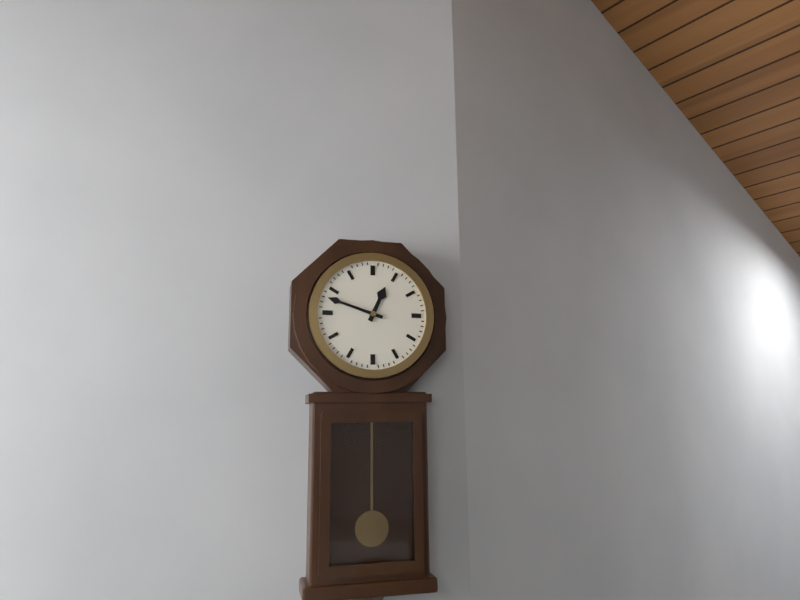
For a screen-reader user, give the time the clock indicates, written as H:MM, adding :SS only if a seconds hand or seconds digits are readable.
12:48
